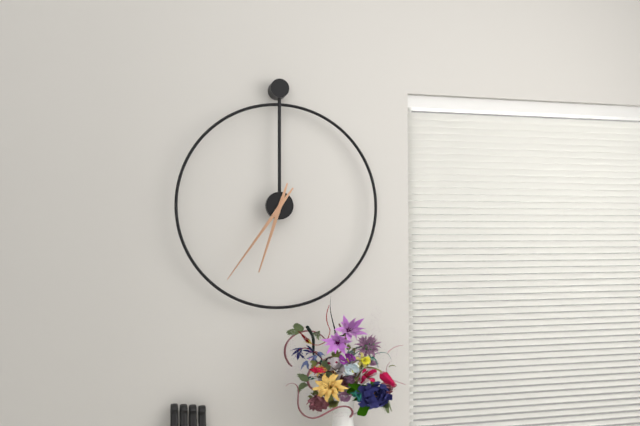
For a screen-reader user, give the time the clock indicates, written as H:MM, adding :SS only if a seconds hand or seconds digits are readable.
6:36
